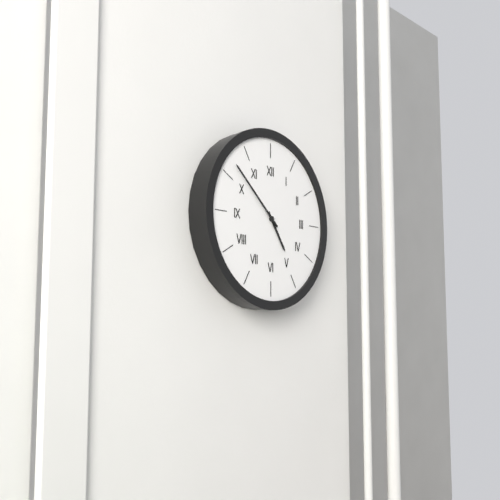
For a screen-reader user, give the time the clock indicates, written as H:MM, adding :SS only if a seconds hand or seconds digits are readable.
4:52
